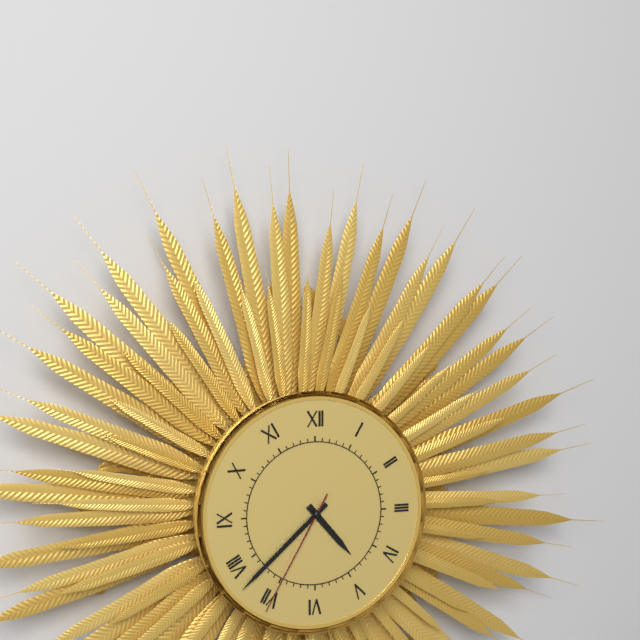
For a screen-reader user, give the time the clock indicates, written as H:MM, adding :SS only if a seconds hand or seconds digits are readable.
4:38:35
